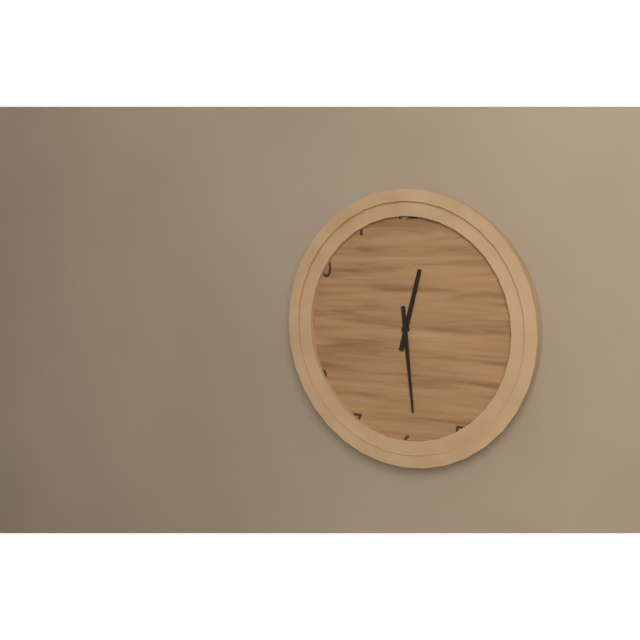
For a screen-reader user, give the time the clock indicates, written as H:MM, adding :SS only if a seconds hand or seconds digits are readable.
12:29
